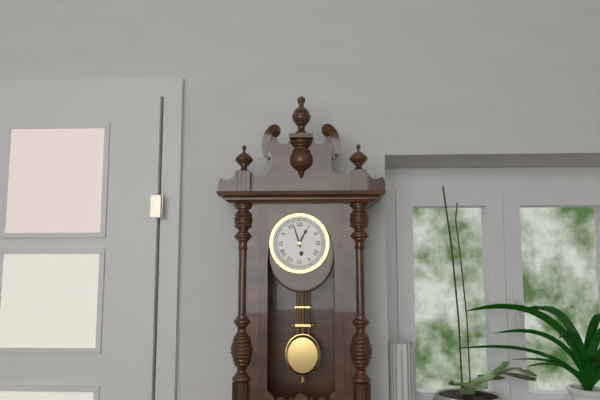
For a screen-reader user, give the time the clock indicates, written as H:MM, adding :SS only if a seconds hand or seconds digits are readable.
12:57
